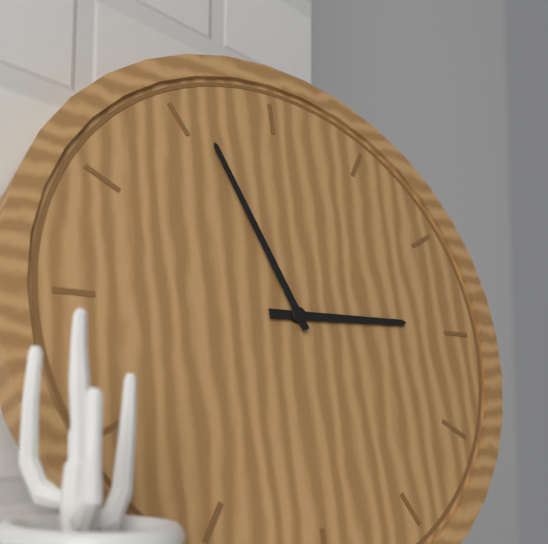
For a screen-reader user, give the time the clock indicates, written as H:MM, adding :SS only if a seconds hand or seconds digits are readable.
2:56
